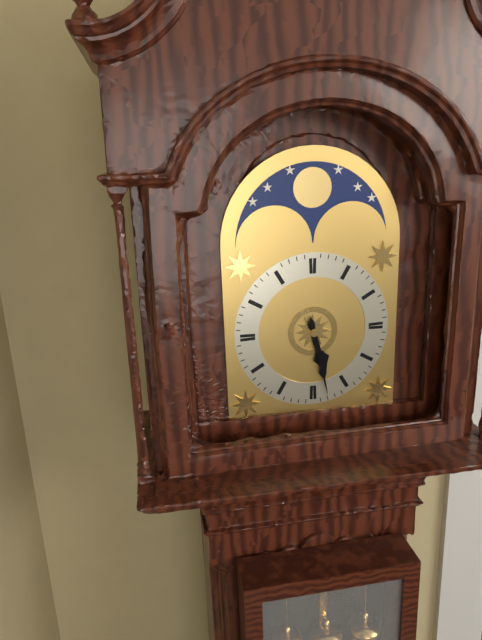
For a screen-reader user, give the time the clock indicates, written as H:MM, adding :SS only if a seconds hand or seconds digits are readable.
5:28
